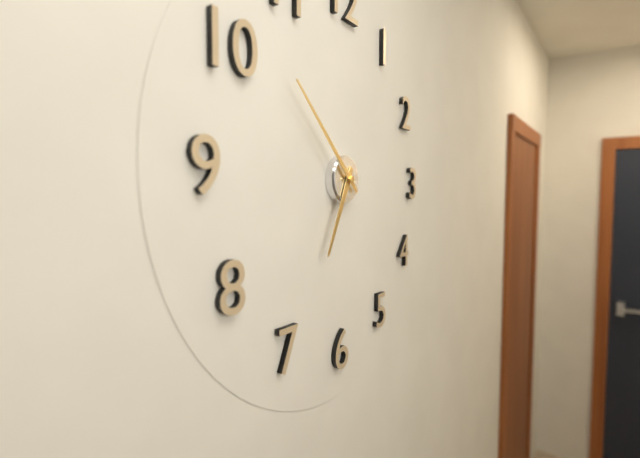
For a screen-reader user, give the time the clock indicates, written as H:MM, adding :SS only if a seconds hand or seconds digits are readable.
6:52
